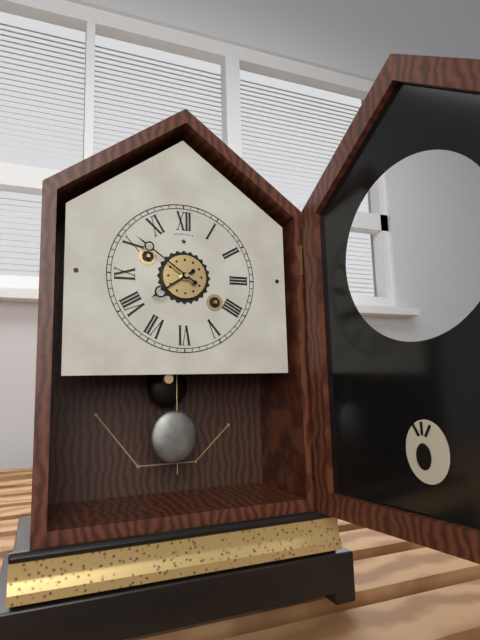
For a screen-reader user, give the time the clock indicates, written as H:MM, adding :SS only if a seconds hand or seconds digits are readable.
7:51
